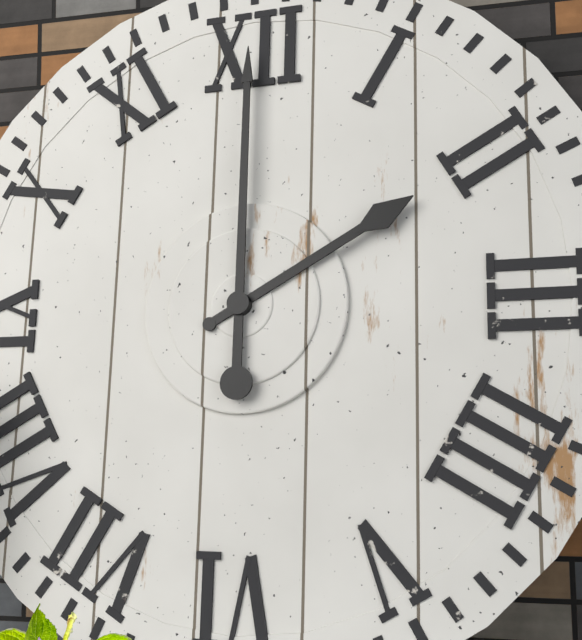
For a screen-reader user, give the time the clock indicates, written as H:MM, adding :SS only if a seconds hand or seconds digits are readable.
2:00
